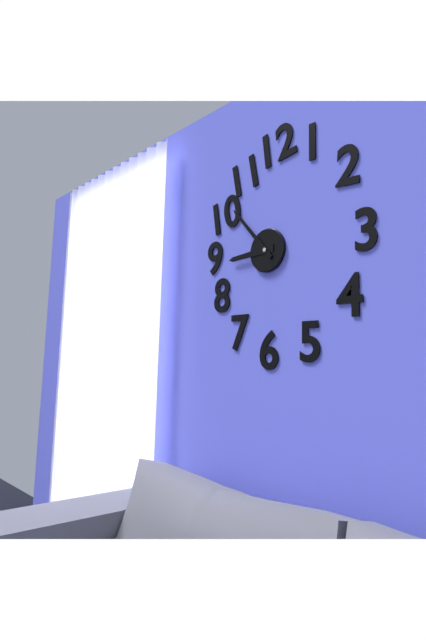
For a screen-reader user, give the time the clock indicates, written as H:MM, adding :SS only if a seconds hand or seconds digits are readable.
8:53
